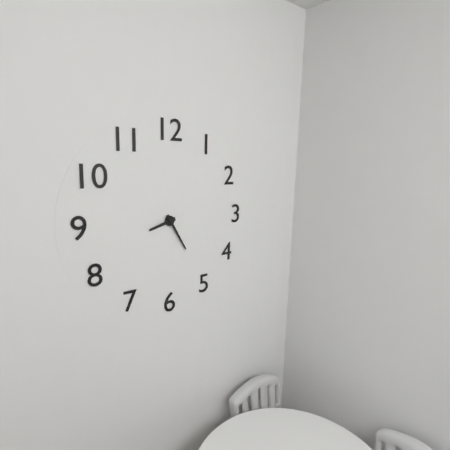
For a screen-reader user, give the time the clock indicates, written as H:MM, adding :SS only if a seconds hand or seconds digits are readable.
8:25
